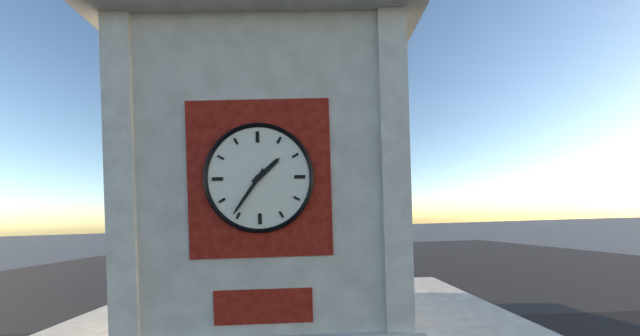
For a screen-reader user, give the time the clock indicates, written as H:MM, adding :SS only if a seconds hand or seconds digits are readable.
1:36
